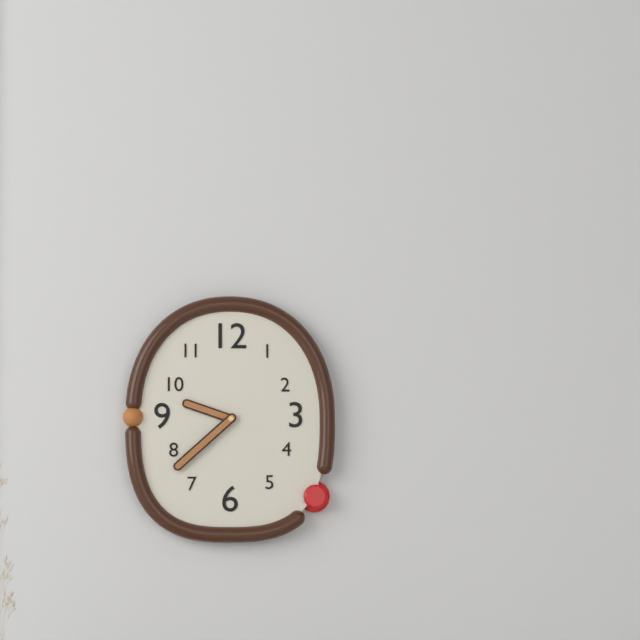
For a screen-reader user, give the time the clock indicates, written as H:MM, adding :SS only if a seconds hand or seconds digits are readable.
9:38
